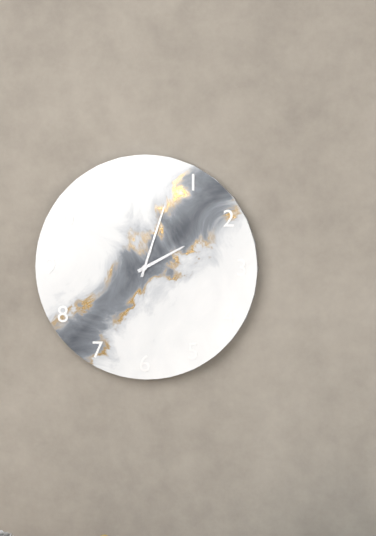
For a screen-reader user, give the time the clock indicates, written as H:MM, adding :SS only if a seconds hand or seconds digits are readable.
2:03
